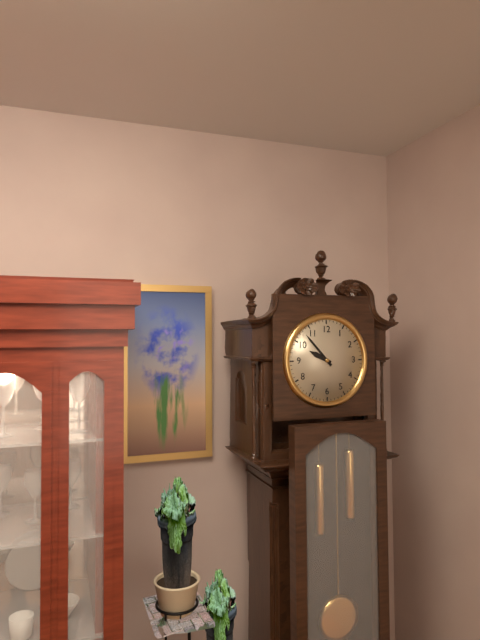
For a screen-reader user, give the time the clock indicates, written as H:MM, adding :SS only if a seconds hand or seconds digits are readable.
9:53
